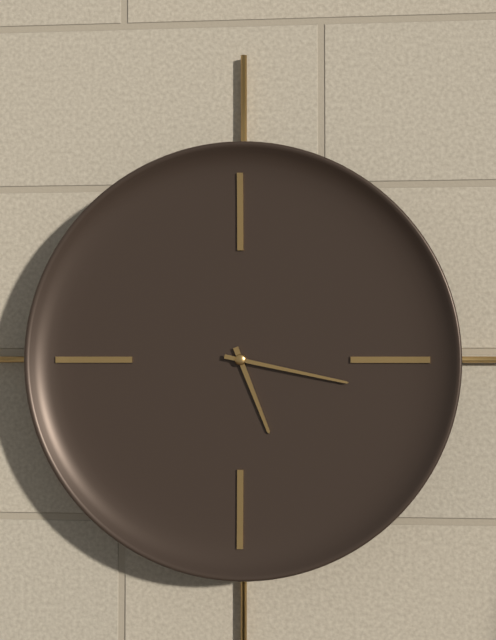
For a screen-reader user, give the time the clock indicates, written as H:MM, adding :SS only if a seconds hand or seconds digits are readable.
5:17
